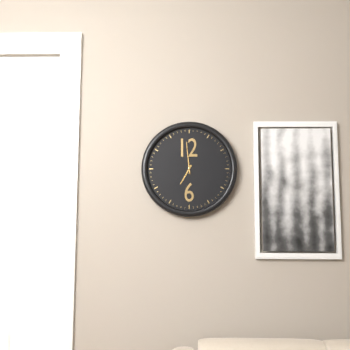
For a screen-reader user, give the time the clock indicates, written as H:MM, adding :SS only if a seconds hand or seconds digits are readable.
6:59
